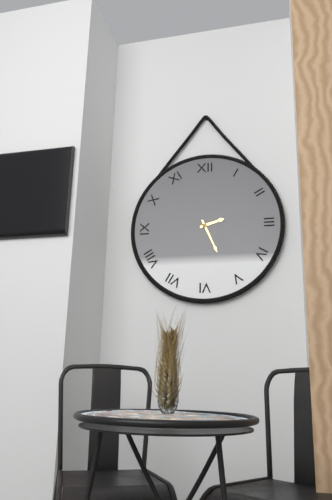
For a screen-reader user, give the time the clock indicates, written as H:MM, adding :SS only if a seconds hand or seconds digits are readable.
2:26
